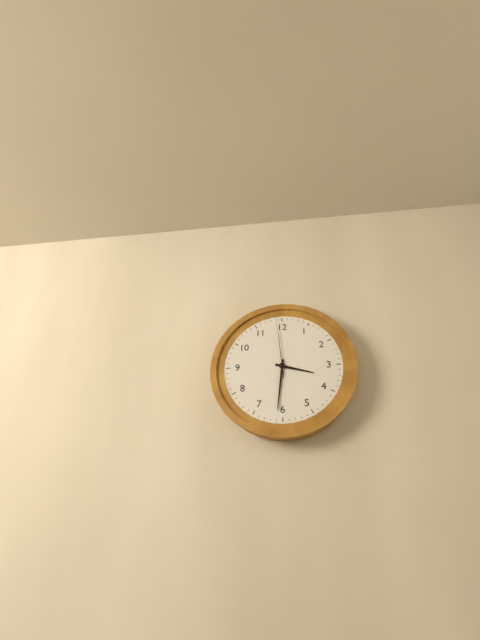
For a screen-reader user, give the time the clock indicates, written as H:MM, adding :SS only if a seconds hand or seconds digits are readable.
3:31:59
